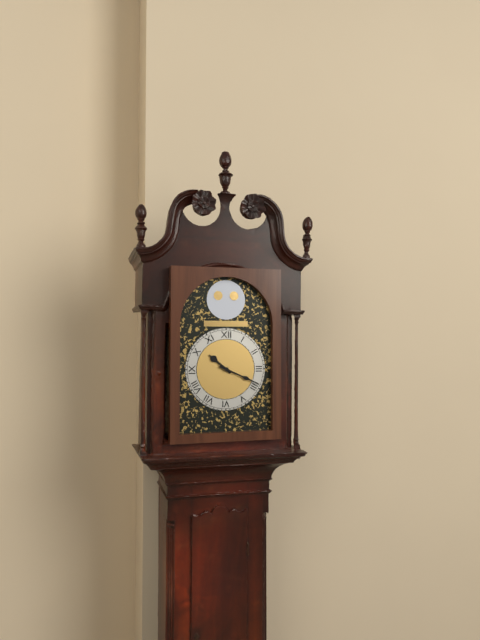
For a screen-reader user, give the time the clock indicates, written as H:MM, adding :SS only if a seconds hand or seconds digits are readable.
10:19
